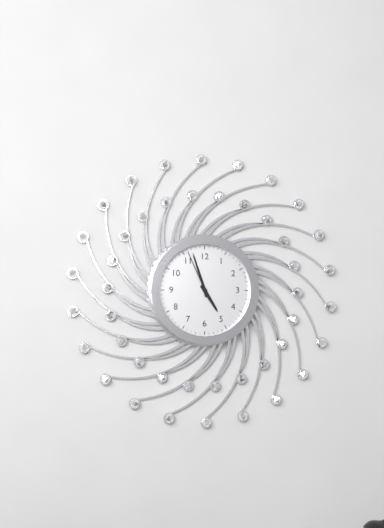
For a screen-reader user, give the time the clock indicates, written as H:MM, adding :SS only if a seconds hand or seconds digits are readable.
4:57:56
